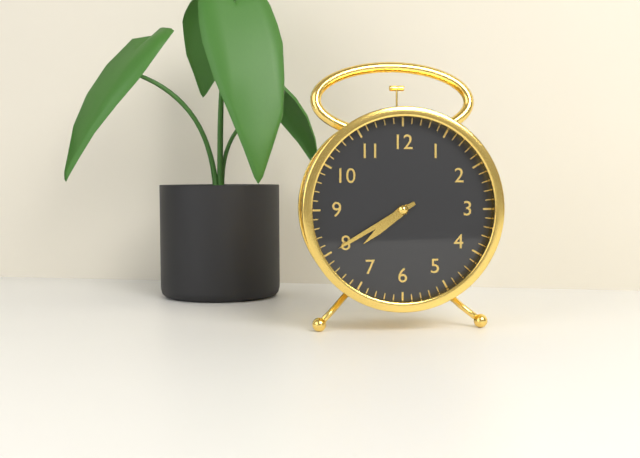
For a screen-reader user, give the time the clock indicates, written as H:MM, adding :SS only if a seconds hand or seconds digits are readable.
7:40
